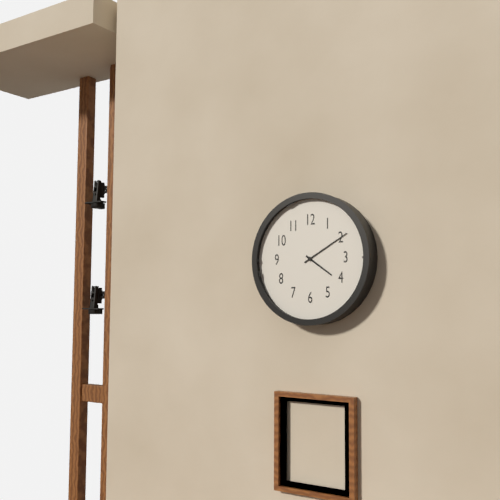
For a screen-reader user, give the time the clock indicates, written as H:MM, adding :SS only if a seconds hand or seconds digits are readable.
4:10
